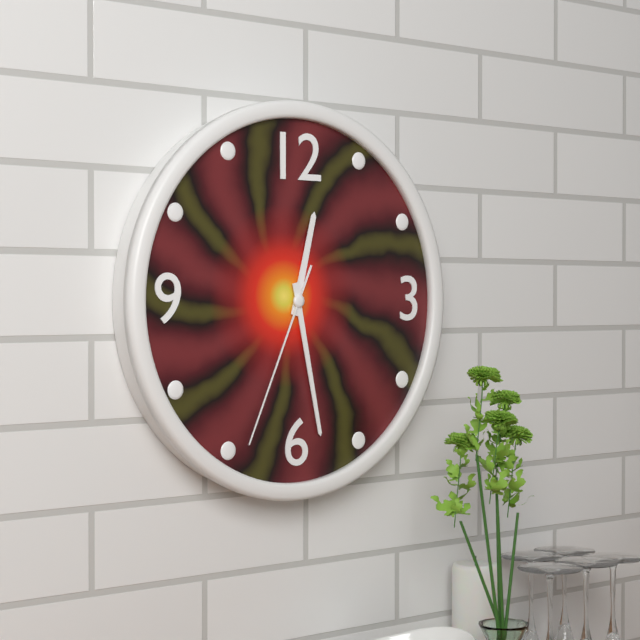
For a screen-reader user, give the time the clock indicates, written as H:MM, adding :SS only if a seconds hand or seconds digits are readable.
12:28:34
